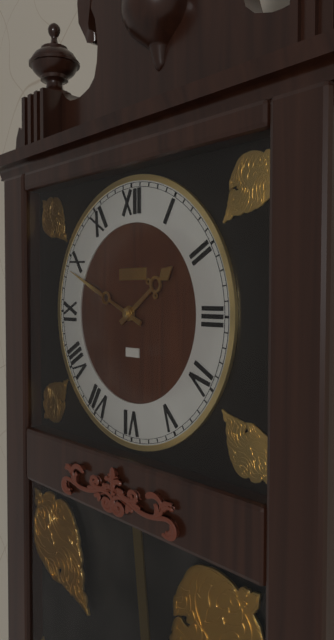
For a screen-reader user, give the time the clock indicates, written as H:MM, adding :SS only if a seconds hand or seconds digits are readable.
1:49
